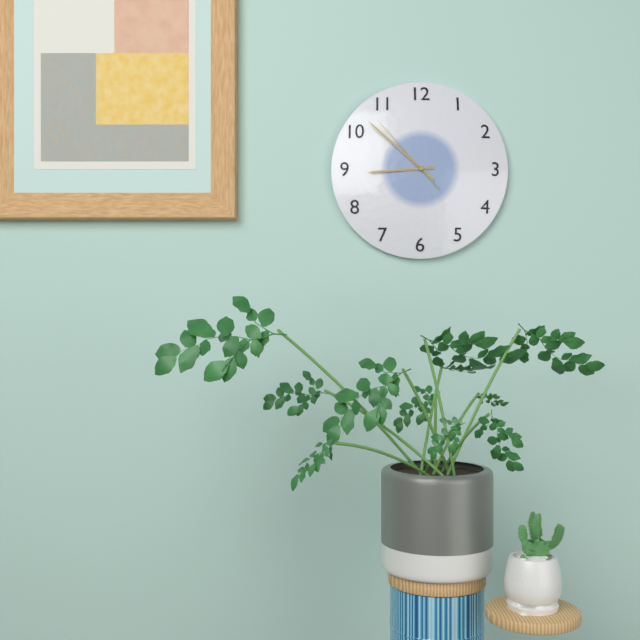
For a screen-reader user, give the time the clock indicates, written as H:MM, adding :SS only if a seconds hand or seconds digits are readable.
8:52:53
